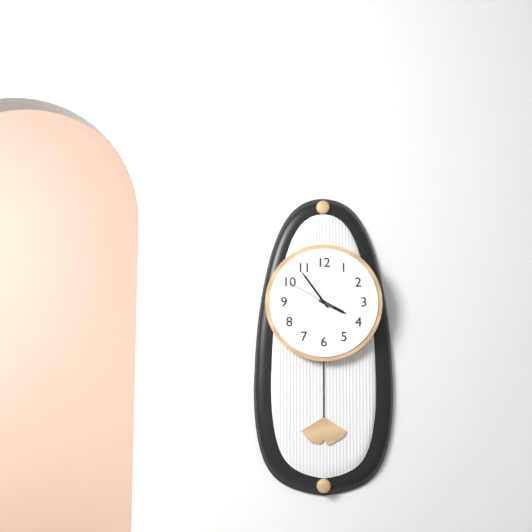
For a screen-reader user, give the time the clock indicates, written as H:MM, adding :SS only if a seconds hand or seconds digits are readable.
3:54:50
